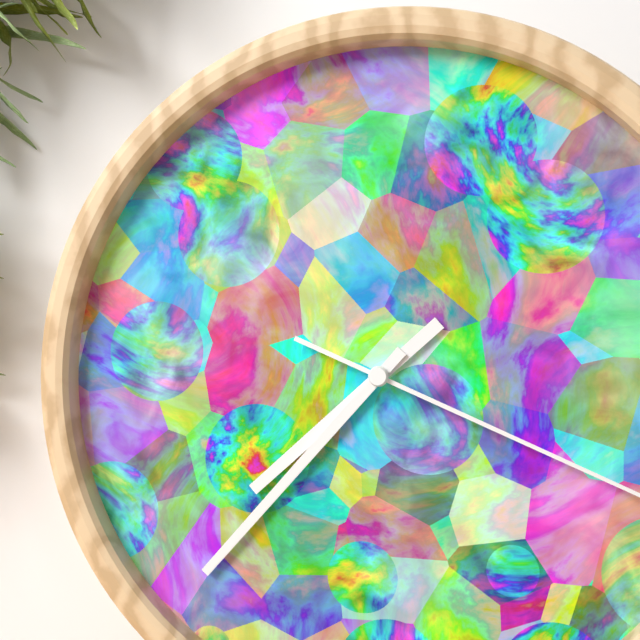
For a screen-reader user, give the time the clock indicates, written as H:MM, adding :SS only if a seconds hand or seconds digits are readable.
7:37
